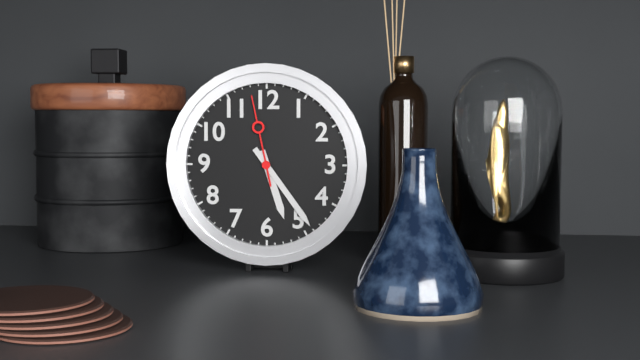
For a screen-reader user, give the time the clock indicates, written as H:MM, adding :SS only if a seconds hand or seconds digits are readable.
5:24:58
